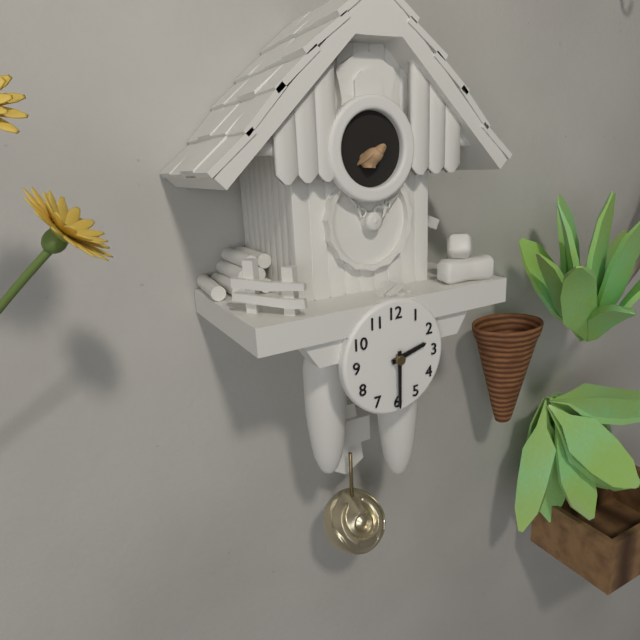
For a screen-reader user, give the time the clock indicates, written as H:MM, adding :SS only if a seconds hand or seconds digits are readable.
2:30
